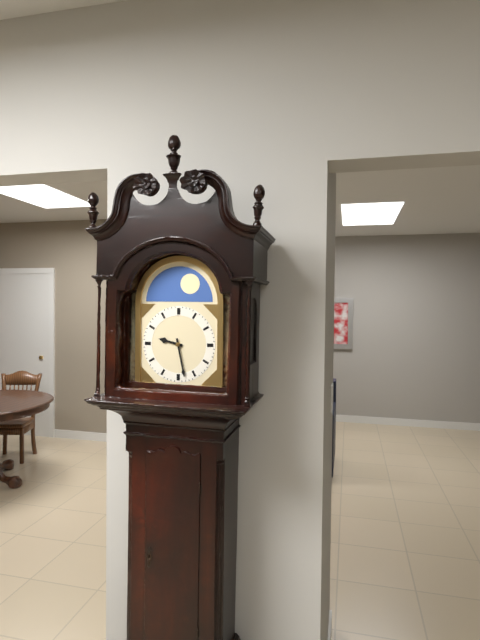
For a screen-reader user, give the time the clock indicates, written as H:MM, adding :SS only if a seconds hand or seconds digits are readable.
9:28
